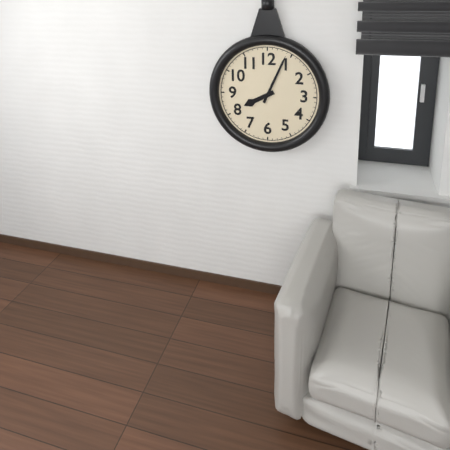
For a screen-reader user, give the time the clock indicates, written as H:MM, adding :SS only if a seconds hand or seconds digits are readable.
8:04
